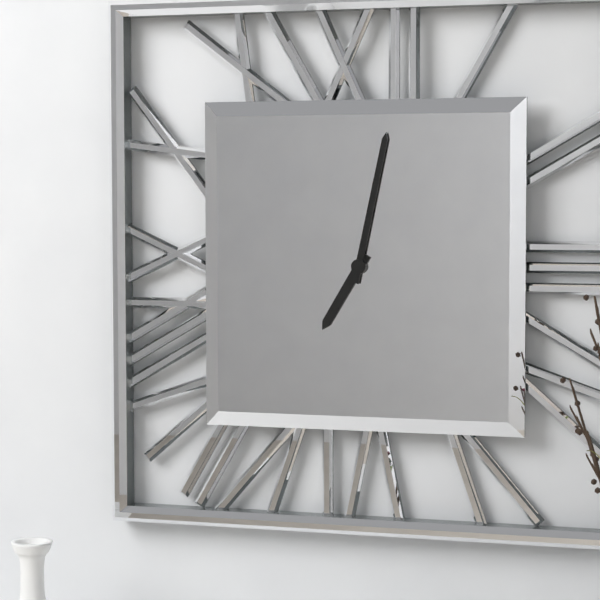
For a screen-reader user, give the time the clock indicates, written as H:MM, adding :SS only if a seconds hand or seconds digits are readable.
7:02
